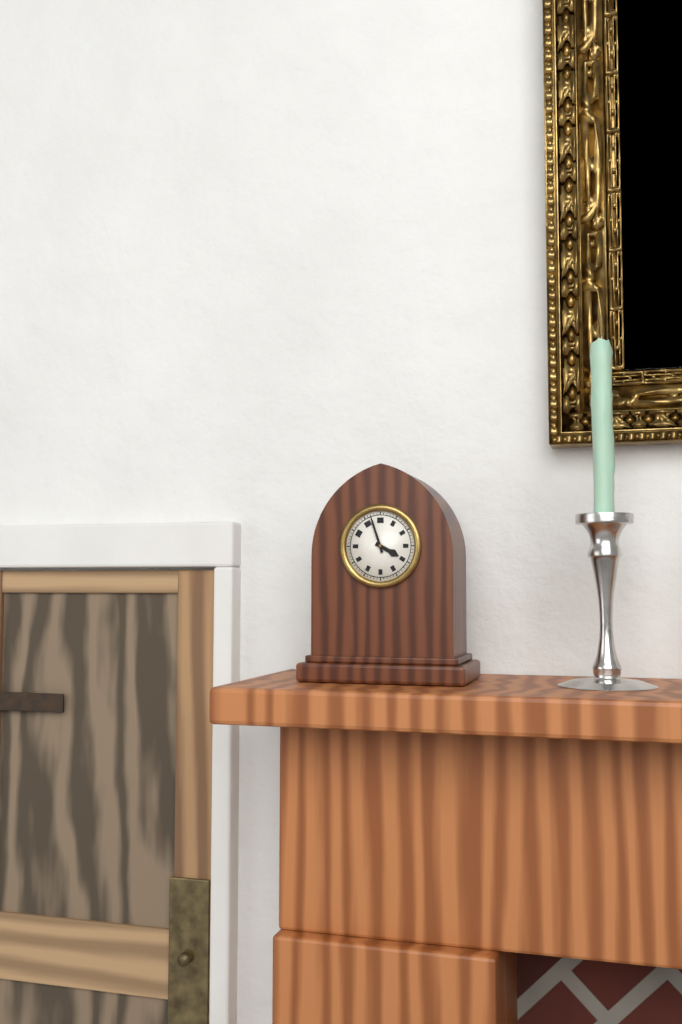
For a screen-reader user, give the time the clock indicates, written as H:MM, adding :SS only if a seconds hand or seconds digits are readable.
3:57
